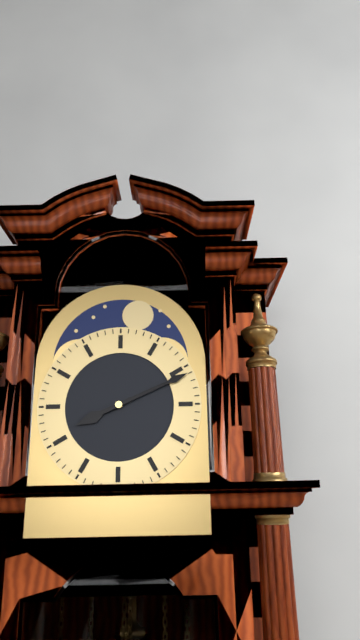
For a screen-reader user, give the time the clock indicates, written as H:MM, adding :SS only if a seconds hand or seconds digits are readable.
8:11
